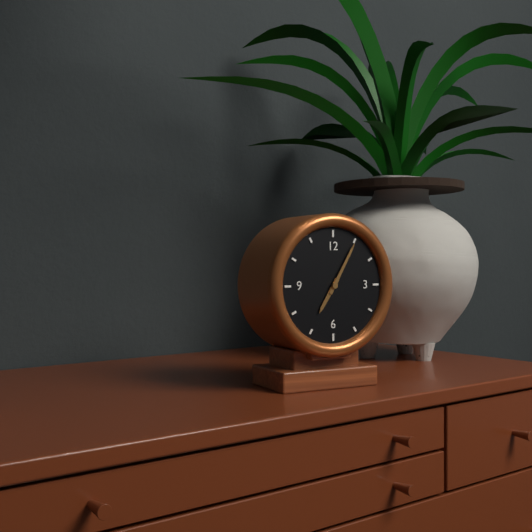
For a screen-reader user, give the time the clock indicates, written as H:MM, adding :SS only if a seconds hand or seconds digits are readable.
7:05
